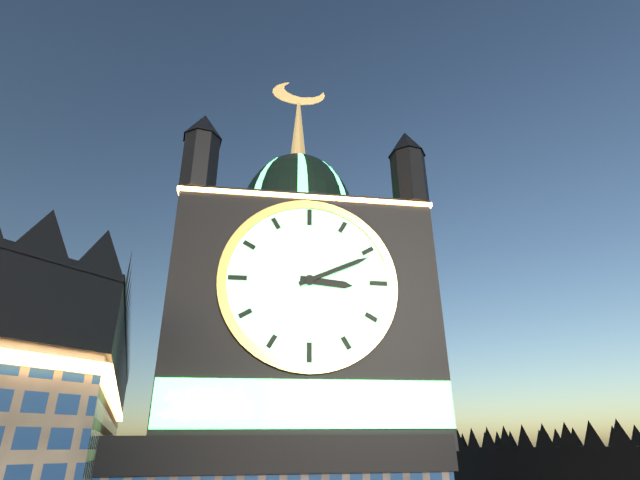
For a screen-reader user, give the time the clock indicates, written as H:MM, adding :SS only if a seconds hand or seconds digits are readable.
3:11
